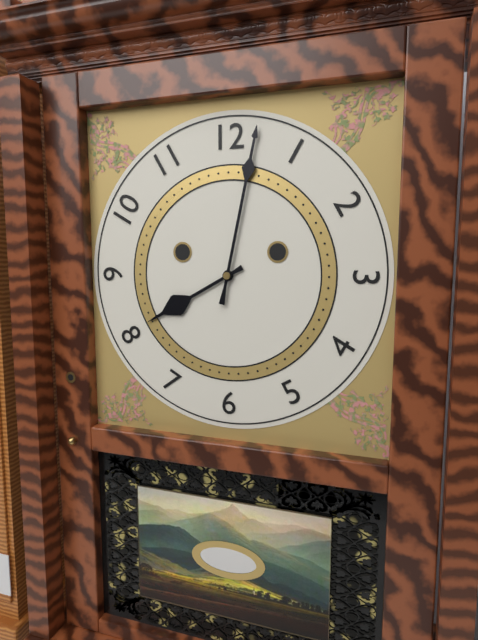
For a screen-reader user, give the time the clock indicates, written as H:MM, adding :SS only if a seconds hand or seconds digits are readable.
8:02
